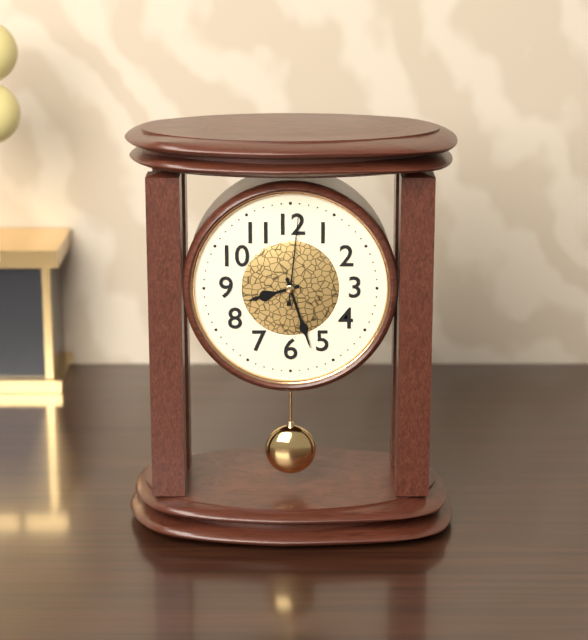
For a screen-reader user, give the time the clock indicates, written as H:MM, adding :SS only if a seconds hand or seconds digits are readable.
8:27:01
